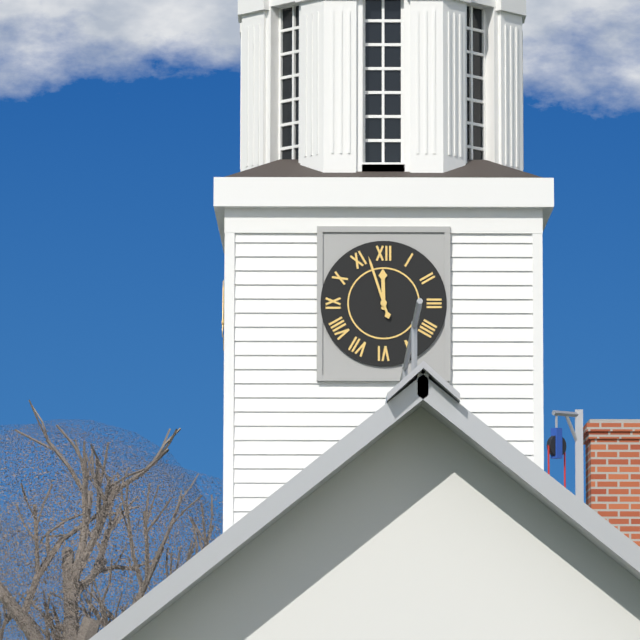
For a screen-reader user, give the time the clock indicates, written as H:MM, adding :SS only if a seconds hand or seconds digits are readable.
11:57
